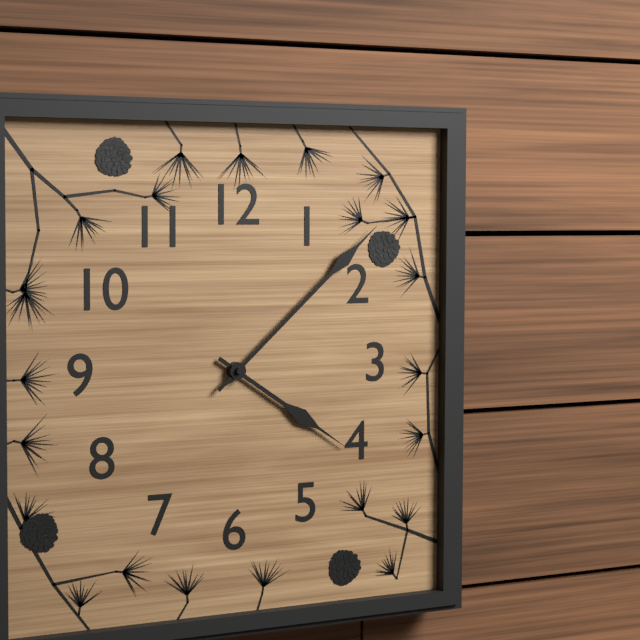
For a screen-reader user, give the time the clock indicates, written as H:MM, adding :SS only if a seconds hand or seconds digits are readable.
4:08
